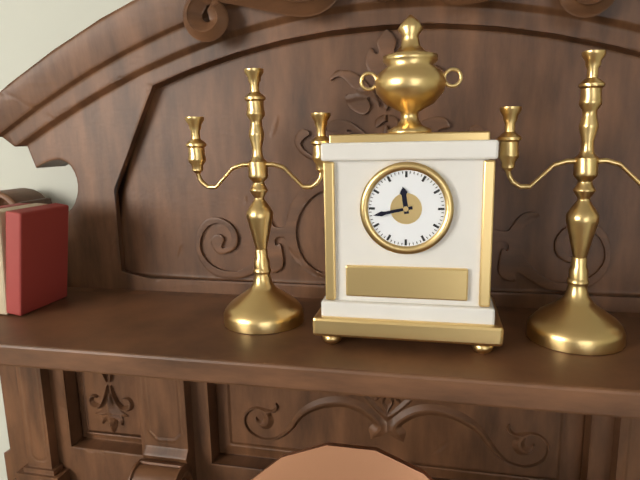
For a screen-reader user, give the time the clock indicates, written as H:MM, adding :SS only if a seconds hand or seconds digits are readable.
11:43
